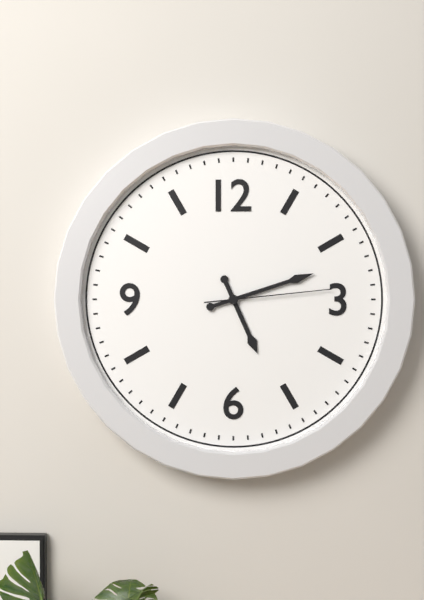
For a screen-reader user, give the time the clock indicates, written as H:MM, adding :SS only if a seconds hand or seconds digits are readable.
5:12:14
